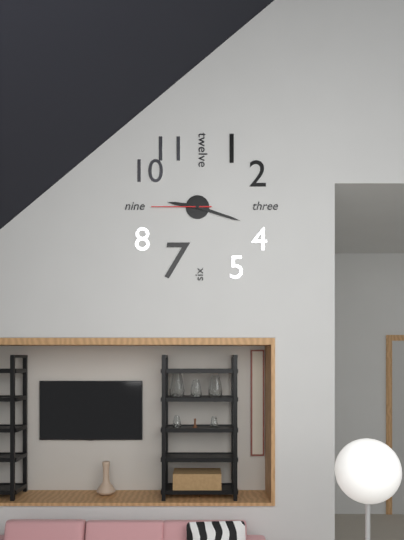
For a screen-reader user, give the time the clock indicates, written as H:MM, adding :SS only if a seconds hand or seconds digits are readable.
9:18:45
